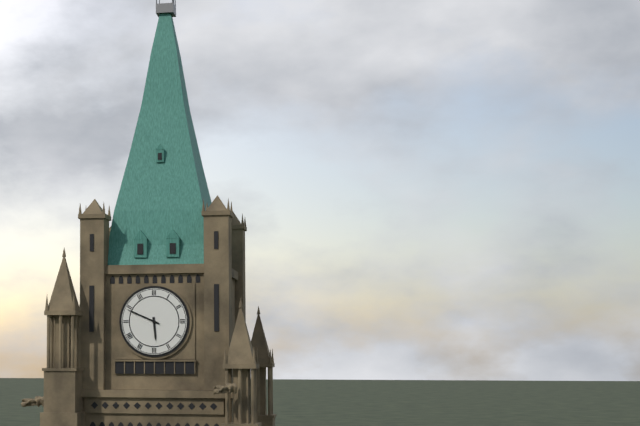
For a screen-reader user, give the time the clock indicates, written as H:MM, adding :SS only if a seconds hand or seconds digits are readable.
5:49
